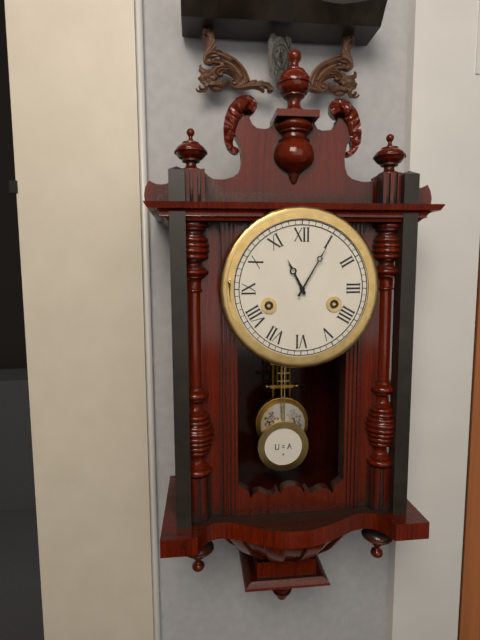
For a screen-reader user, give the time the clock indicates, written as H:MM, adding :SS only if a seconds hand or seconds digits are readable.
11:05
